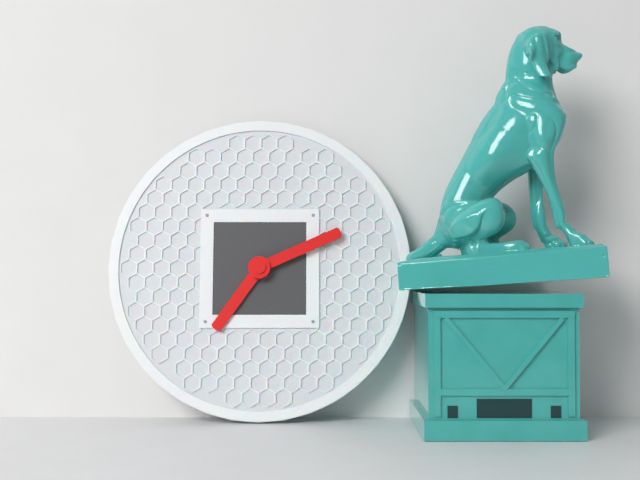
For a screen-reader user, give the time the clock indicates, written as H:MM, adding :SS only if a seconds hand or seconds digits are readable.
7:11
